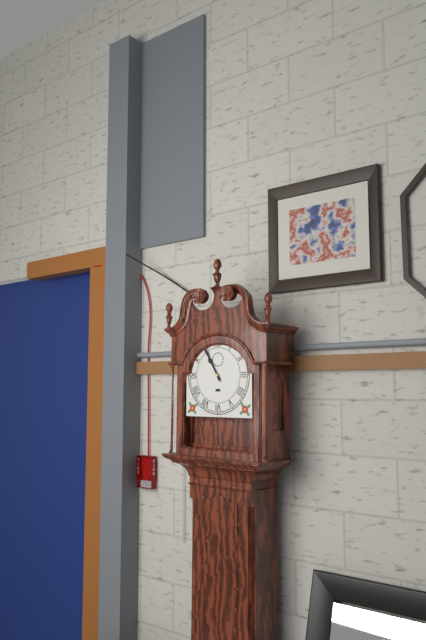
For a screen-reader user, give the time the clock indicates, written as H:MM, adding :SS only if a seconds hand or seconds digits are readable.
10:55
